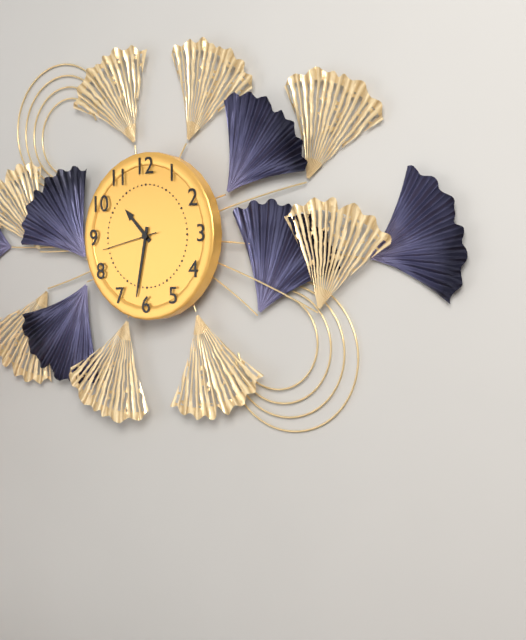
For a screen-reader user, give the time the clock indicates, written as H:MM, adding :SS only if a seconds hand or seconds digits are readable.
10:32:43
